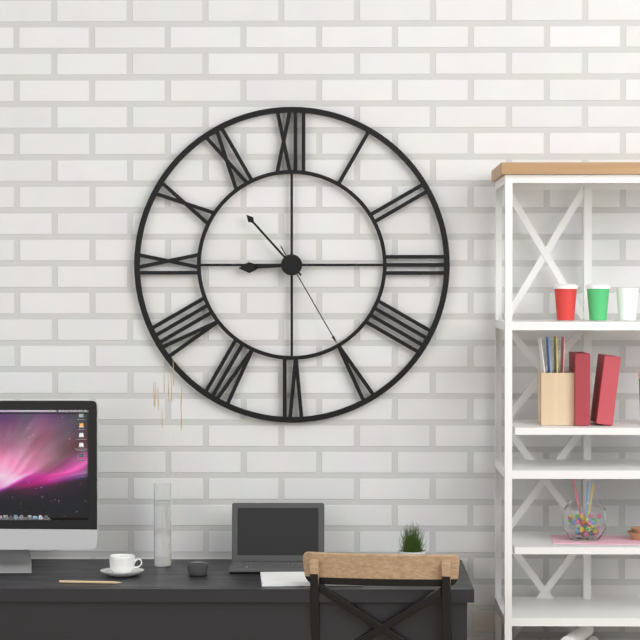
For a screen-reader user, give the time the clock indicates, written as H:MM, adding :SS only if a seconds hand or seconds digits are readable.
8:53:25
